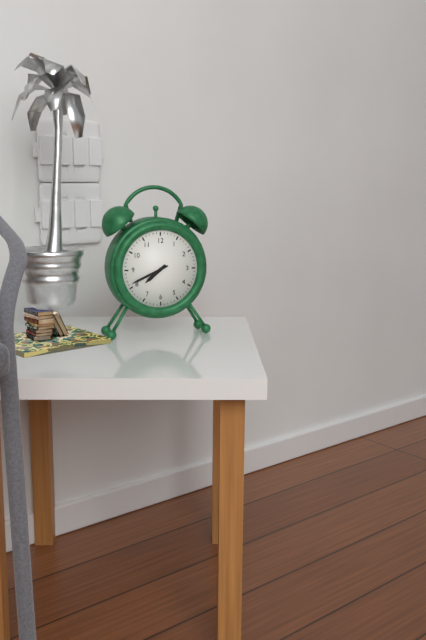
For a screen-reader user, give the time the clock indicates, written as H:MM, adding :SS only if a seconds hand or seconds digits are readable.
7:41
